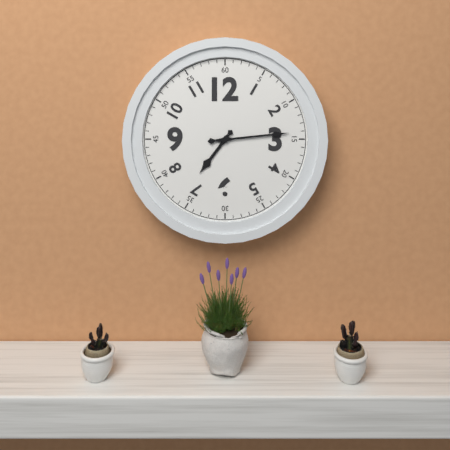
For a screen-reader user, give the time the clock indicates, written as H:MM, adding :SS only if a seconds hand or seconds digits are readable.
7:14
